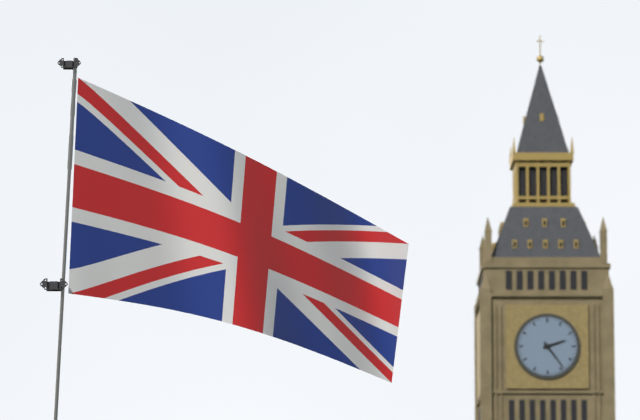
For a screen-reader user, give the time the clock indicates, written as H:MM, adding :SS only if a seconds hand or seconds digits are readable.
2:24
